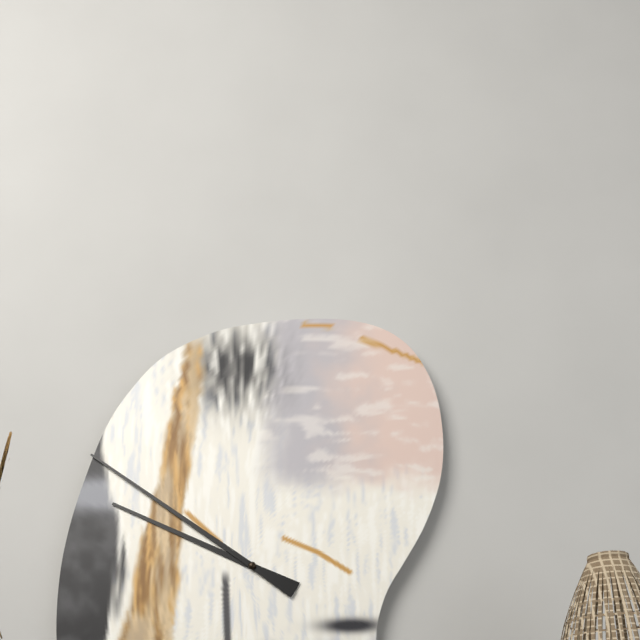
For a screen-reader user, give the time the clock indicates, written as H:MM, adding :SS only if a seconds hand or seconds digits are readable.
9:51
